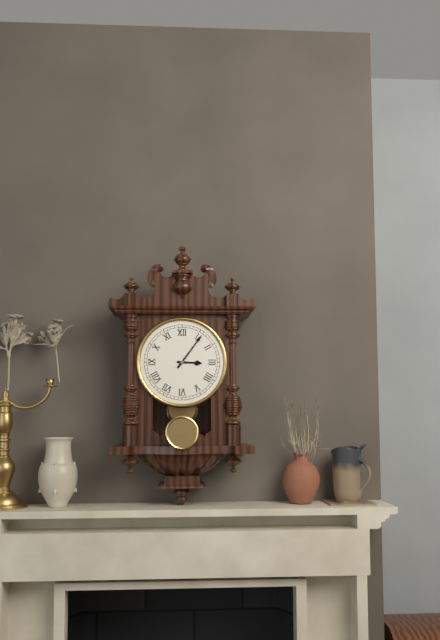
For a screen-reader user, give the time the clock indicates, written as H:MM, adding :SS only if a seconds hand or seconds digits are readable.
3:06
